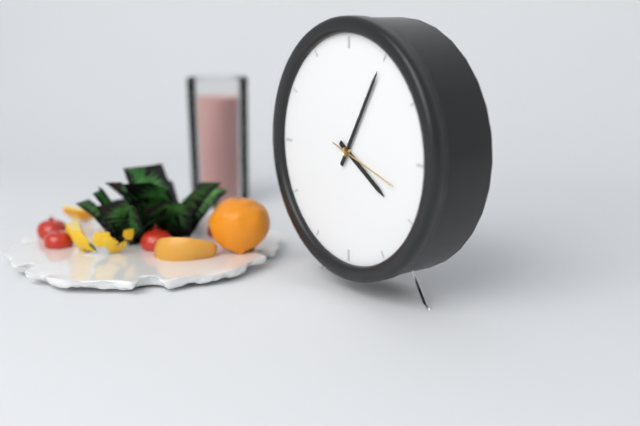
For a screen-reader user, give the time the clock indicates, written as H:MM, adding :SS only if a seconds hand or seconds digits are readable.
4:05:18
